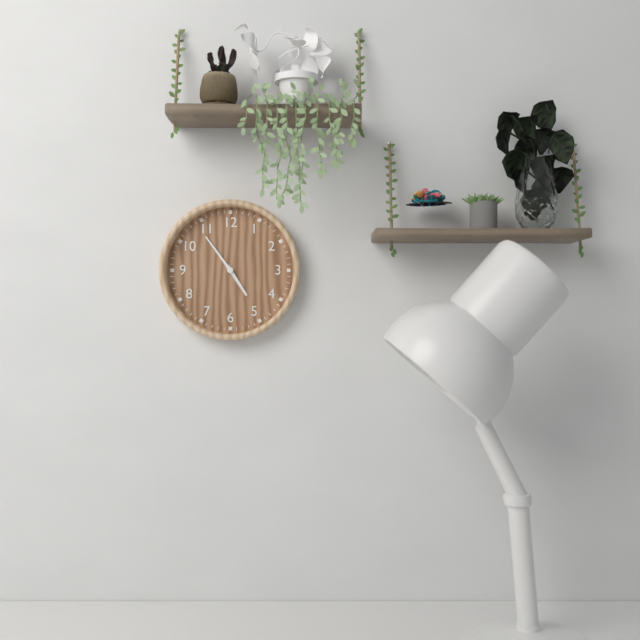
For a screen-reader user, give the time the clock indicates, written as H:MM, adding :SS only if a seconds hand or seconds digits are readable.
4:54
